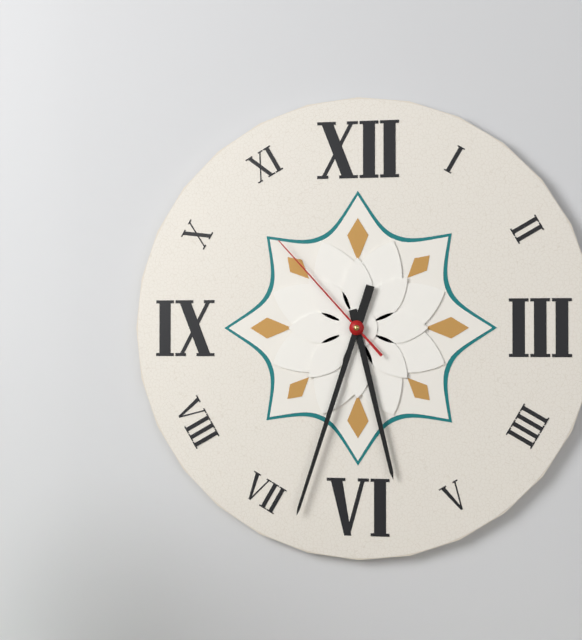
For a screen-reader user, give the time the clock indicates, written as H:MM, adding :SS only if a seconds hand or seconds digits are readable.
5:33:53
